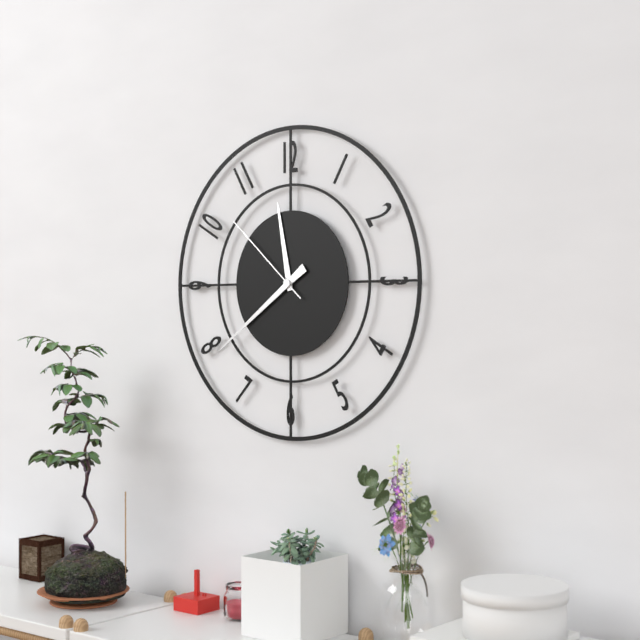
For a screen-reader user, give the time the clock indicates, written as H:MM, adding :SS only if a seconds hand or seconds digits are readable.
11:39:52
